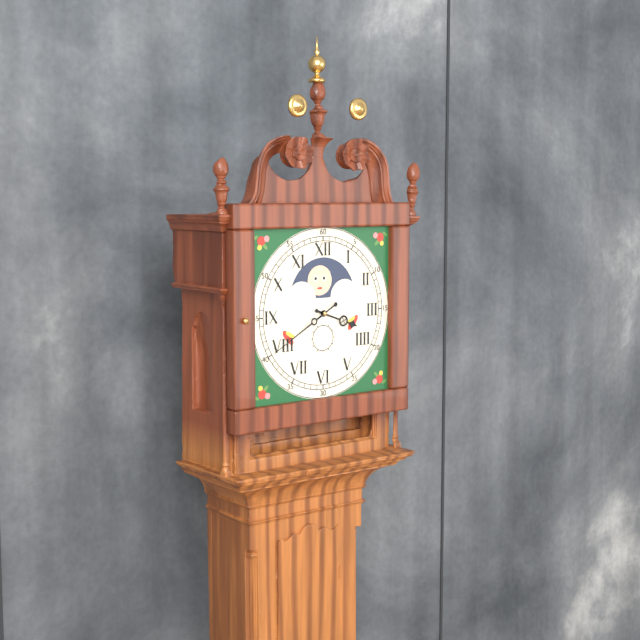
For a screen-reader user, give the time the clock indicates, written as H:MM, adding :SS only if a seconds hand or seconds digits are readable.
3:40
